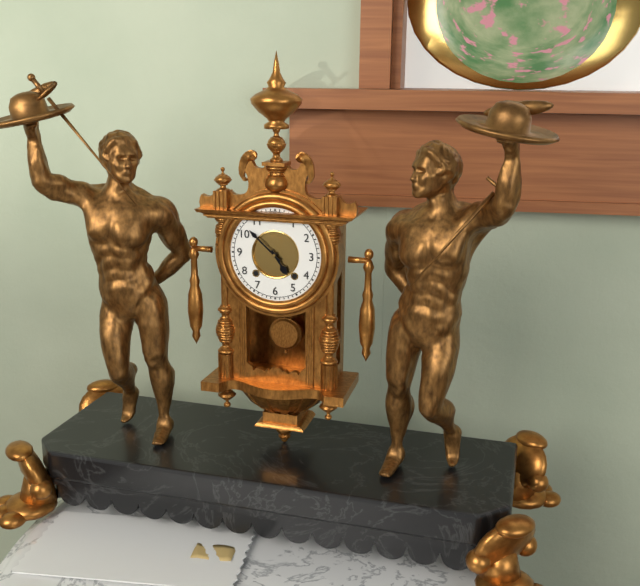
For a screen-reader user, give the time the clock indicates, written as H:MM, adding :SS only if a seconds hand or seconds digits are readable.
4:52
